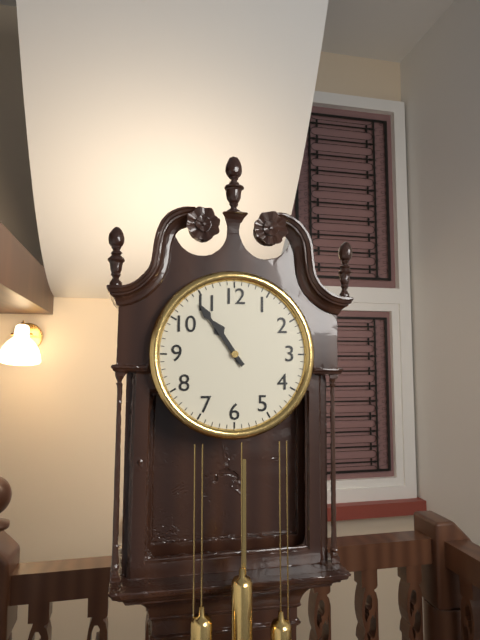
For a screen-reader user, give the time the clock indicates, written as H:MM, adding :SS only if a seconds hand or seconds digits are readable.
10:54
